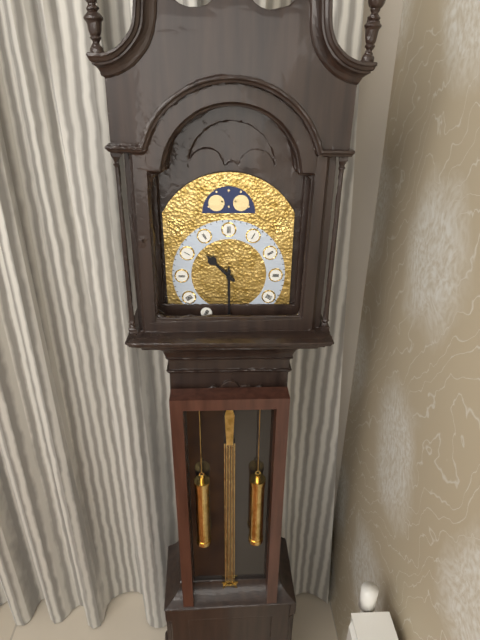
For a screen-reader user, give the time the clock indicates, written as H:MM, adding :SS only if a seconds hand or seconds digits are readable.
10:30
